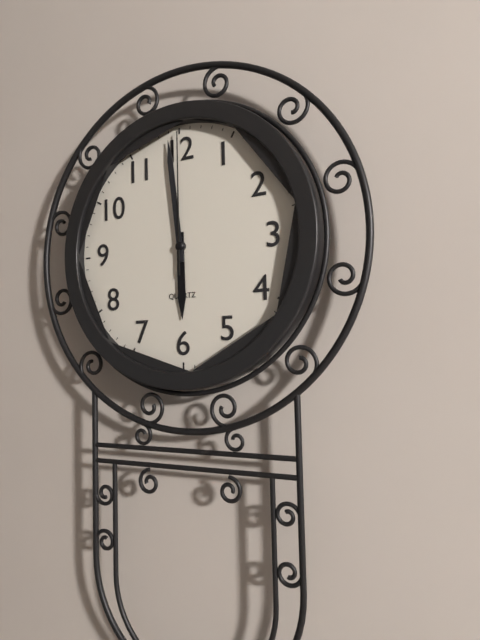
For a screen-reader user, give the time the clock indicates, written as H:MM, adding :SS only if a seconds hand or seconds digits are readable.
5:59:00
